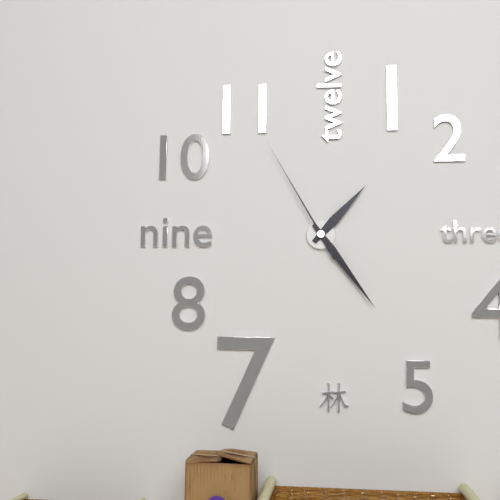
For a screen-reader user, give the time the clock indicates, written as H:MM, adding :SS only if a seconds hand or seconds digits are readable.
1:24:55
